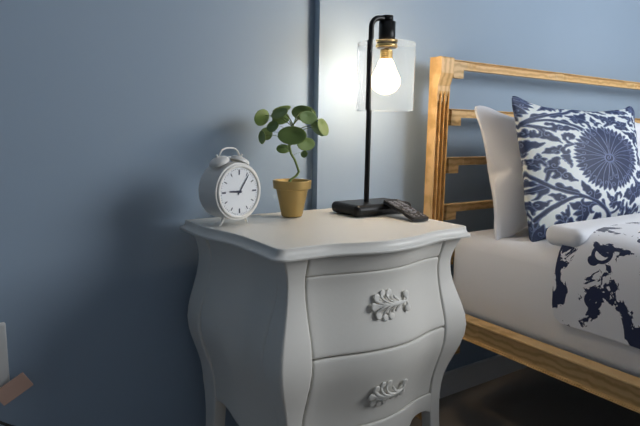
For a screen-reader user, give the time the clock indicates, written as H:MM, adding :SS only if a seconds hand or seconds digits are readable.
9:06
